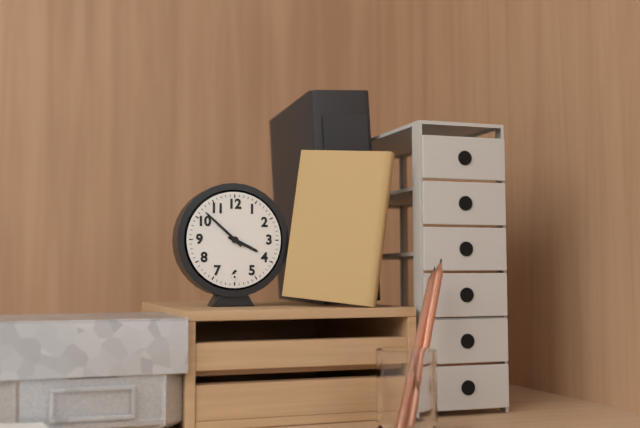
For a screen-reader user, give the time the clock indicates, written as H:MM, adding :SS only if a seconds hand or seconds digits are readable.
3:52
